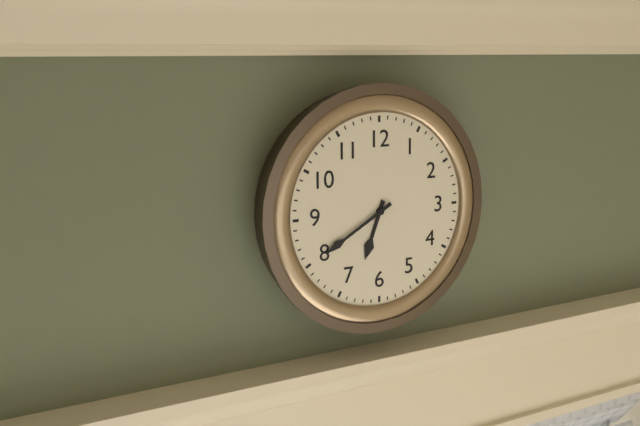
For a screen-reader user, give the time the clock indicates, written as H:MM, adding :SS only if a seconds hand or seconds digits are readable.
6:40
